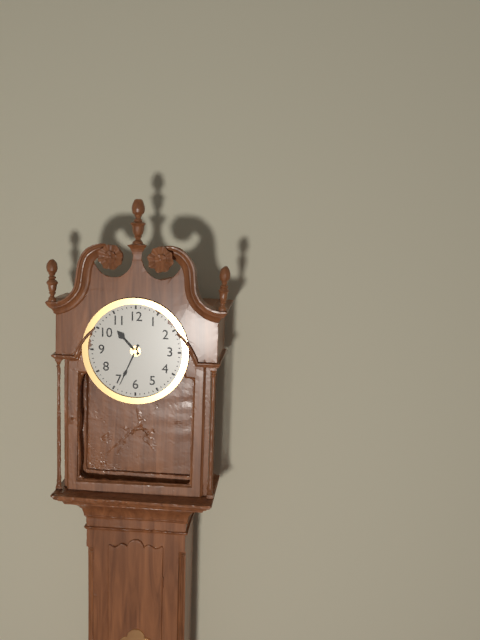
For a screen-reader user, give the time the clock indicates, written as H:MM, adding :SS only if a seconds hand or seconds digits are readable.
10:34
